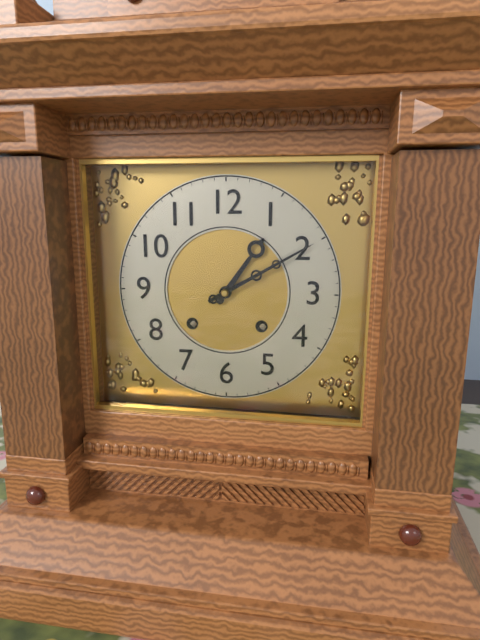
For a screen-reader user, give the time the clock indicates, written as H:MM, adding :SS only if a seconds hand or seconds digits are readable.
1:10
